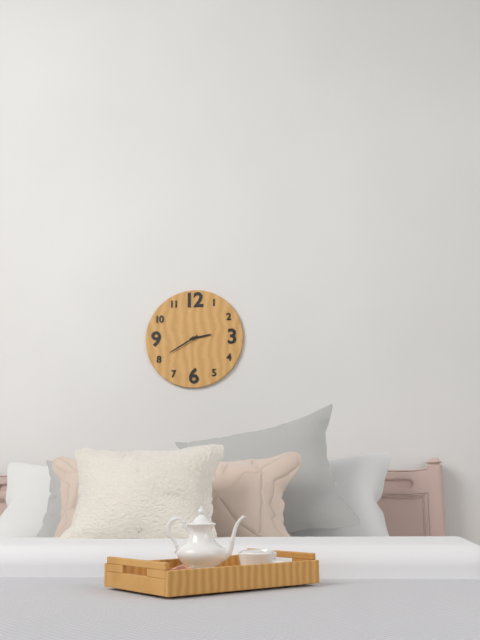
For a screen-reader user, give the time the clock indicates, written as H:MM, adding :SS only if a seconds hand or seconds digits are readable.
2:40
